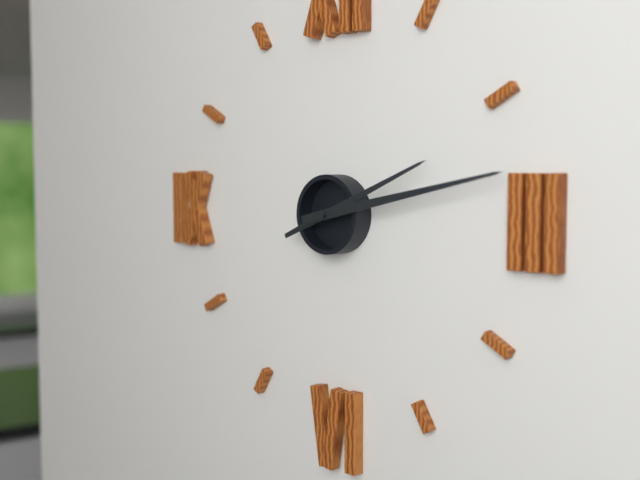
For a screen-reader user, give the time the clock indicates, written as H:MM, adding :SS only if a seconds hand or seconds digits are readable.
2:13
